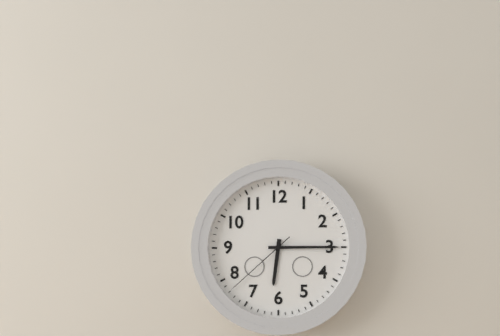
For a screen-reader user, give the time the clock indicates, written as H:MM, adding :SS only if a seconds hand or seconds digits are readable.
6:15:38
